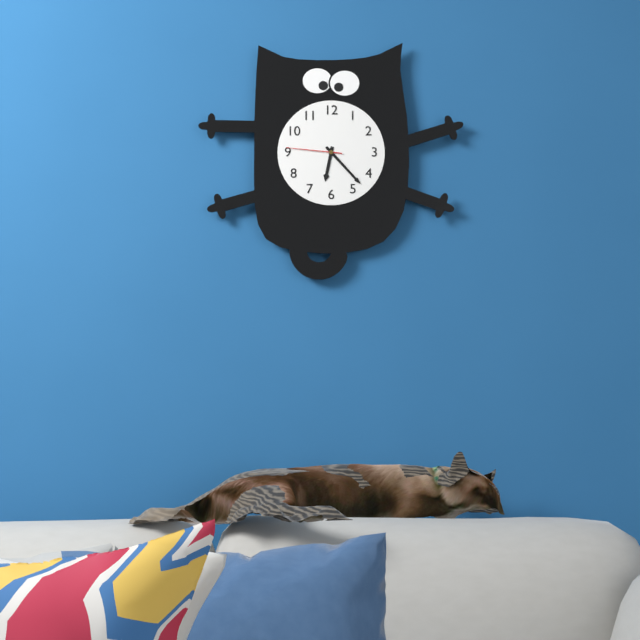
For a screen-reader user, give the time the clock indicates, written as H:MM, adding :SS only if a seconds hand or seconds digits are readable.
6:23:46
